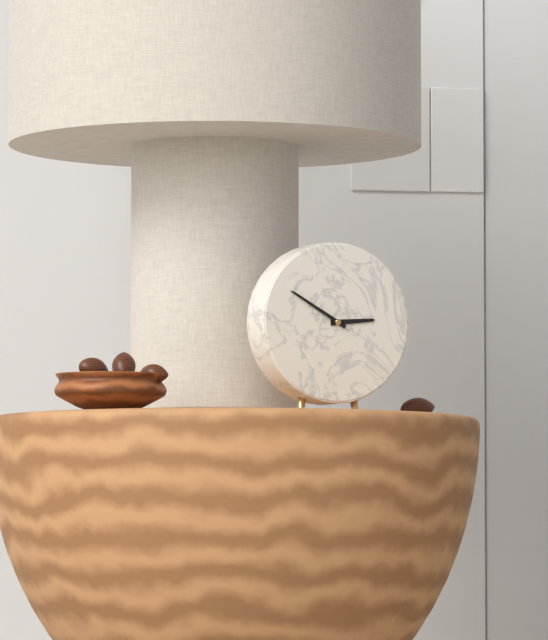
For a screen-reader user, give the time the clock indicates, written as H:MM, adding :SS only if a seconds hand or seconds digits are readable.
2:50
